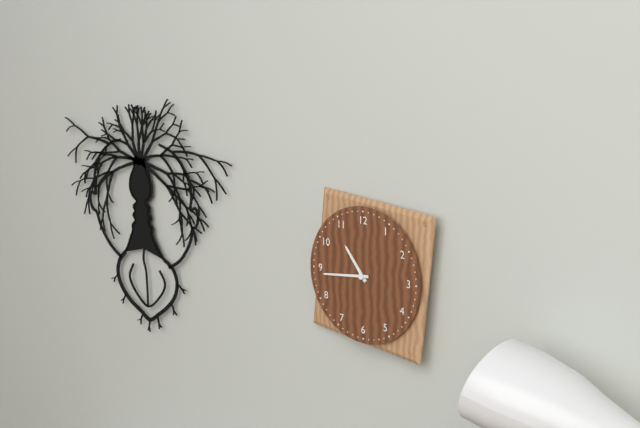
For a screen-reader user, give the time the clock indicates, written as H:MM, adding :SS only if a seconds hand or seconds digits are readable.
10:44
